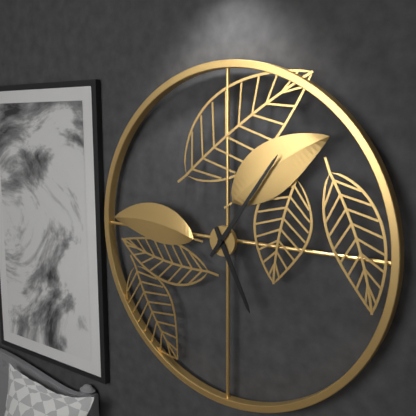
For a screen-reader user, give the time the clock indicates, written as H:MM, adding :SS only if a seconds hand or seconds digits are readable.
5:06
